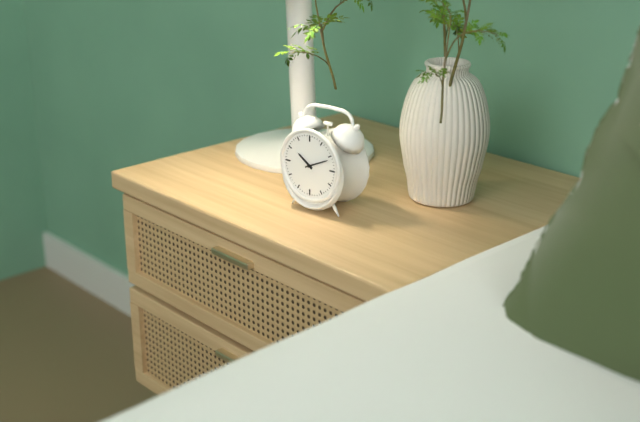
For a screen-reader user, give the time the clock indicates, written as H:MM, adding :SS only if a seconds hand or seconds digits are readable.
10:11
